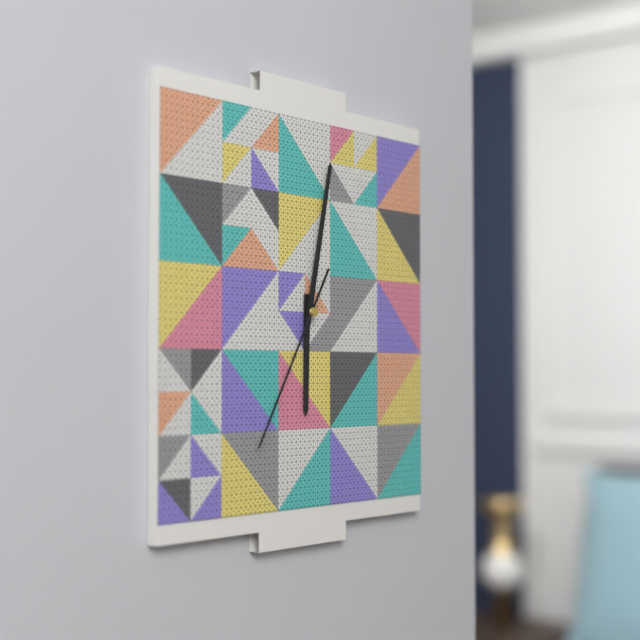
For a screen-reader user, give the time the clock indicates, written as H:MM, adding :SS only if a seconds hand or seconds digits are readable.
6:02:35
